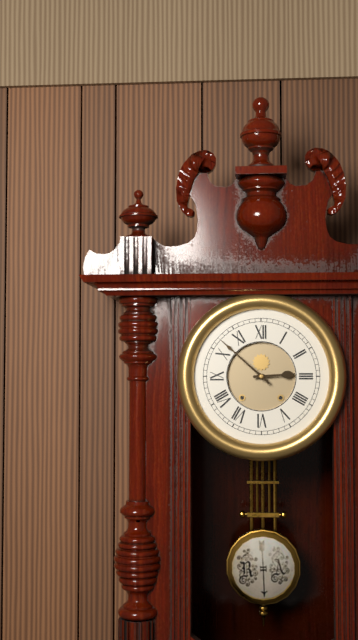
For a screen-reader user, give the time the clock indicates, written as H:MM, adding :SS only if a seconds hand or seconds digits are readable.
2:52
